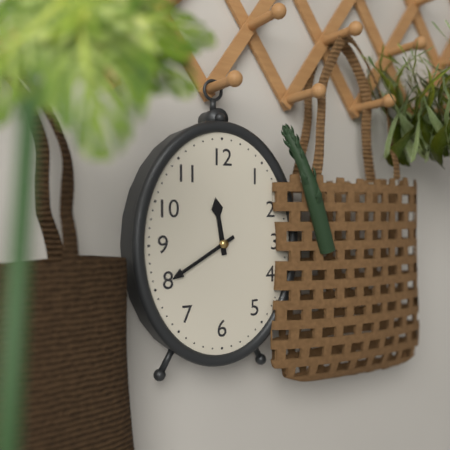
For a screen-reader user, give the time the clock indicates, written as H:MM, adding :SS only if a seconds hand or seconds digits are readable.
11:40
